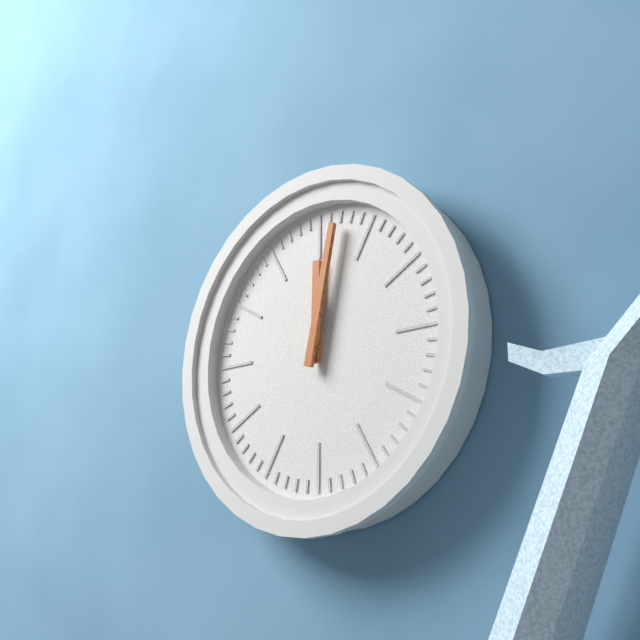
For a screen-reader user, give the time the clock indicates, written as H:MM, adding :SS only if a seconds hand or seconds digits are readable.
12:02
